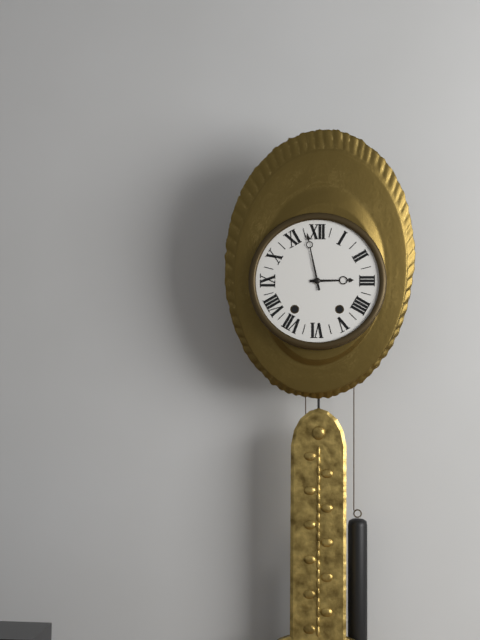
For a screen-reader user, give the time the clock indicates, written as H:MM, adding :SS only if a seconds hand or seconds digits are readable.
2:58
